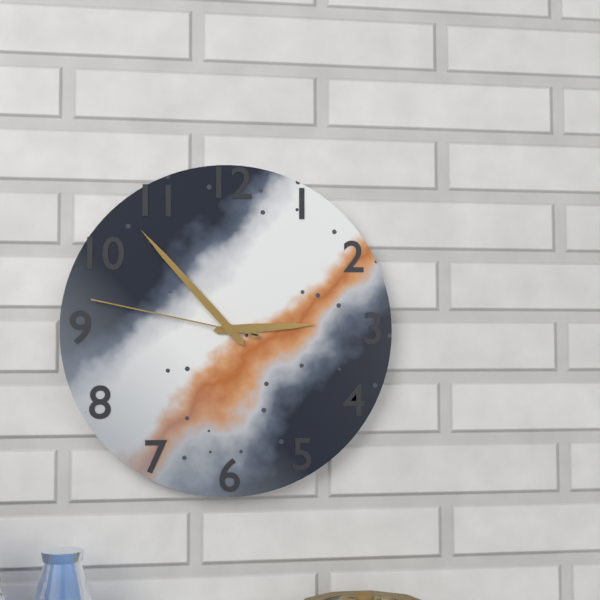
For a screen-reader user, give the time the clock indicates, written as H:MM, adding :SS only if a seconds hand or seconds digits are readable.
2:53:47
